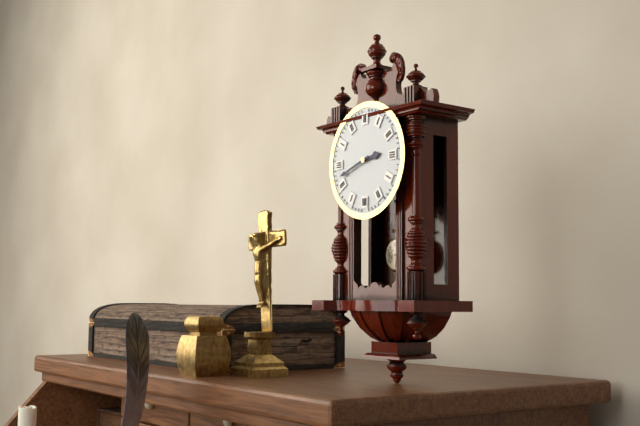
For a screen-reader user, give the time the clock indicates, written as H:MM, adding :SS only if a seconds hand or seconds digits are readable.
2:42
